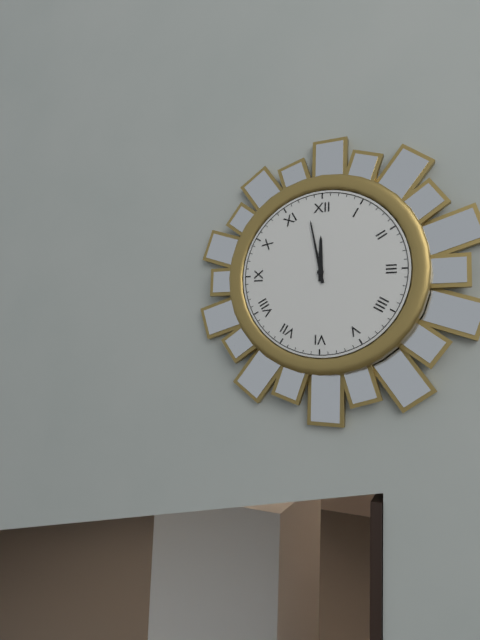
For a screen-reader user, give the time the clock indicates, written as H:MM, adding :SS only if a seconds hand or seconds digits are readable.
11:58
